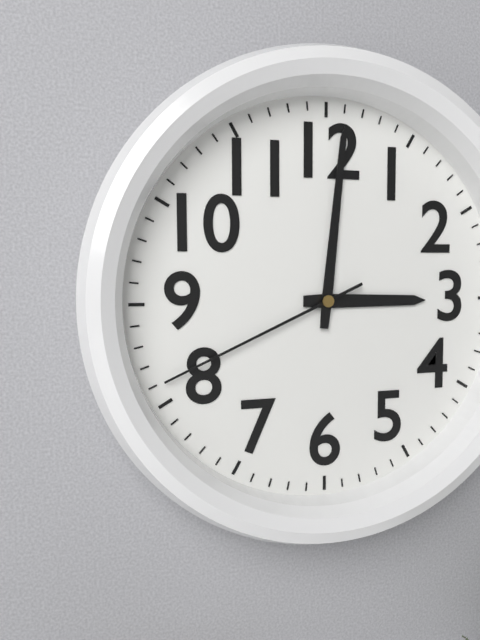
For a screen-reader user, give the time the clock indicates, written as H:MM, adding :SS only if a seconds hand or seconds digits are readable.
3:01:41
